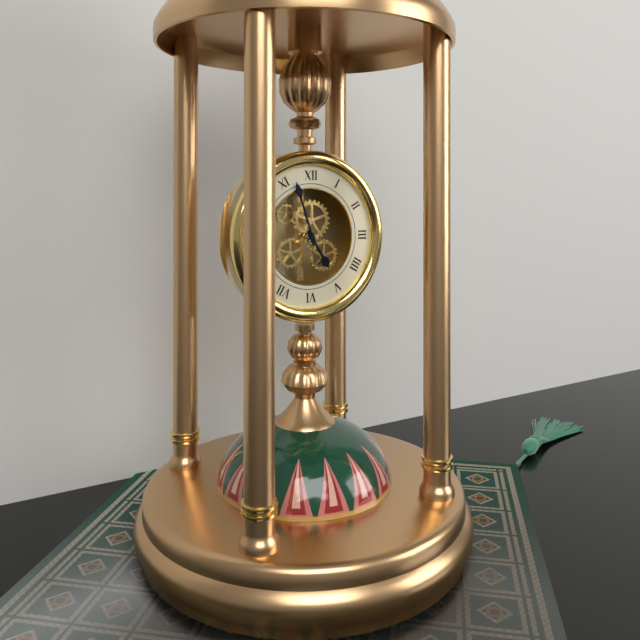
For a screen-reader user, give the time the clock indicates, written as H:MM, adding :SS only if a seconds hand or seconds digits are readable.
4:57
